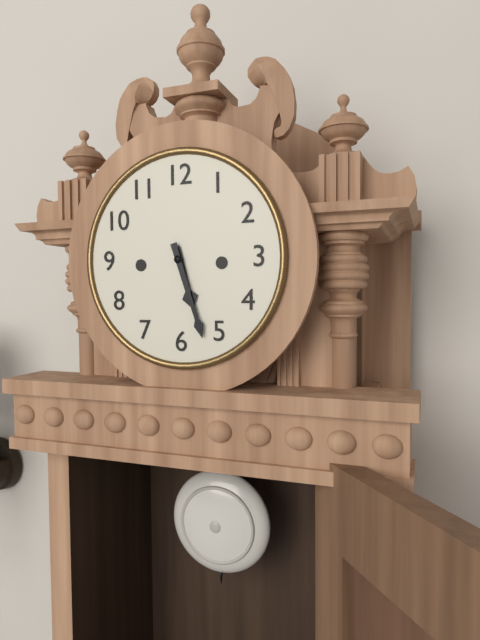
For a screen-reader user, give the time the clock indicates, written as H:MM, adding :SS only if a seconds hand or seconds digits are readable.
5:27
